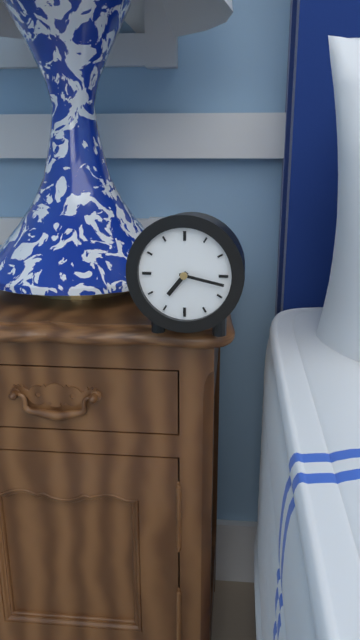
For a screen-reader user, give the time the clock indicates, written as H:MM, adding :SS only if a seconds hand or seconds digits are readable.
7:17
